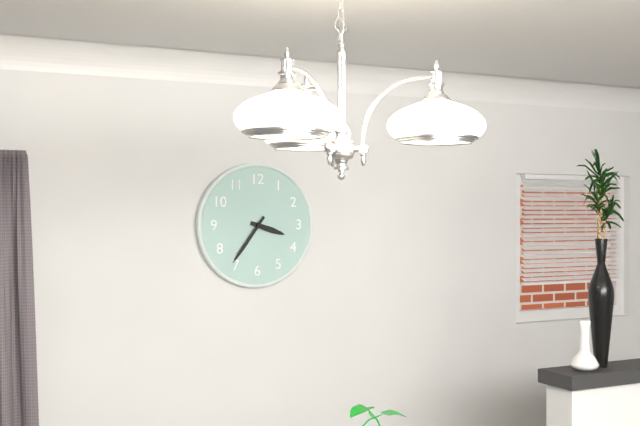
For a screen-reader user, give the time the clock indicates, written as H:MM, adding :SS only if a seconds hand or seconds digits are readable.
3:36
